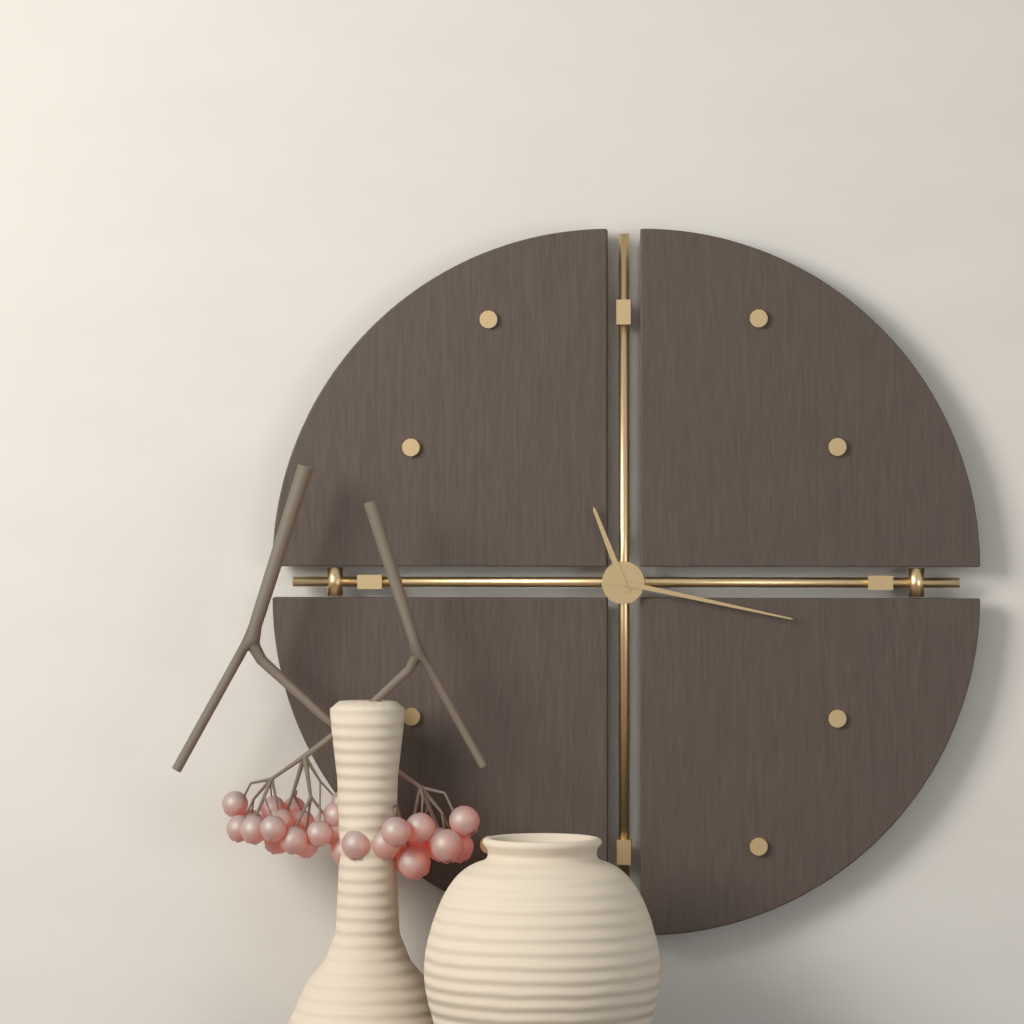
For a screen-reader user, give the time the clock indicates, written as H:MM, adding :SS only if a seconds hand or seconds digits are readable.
11:17
